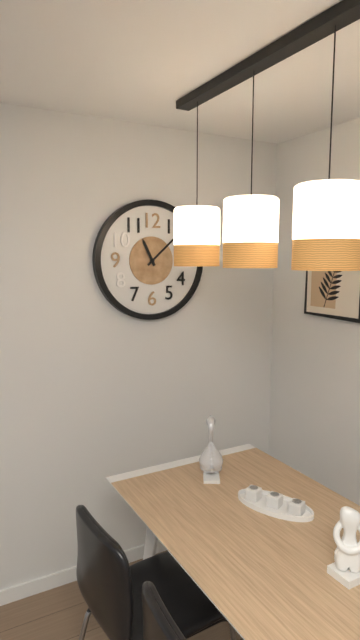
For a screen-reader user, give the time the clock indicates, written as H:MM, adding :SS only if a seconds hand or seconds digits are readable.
11:08
